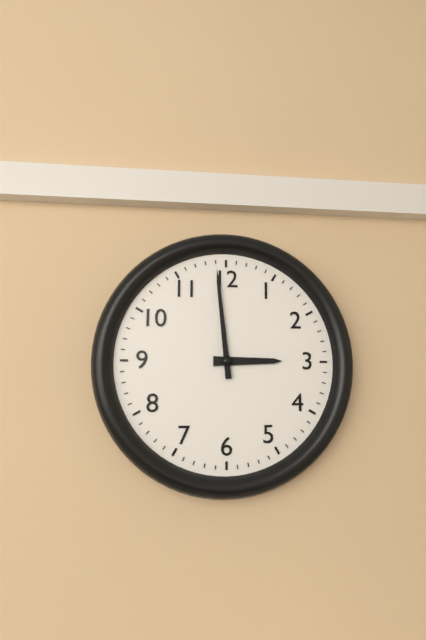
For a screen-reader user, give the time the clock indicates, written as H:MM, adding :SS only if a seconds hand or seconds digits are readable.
2:59
